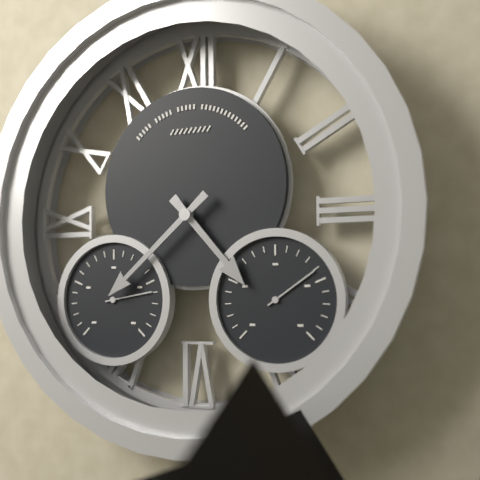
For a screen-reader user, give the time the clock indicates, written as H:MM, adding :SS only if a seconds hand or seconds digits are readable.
4:38
